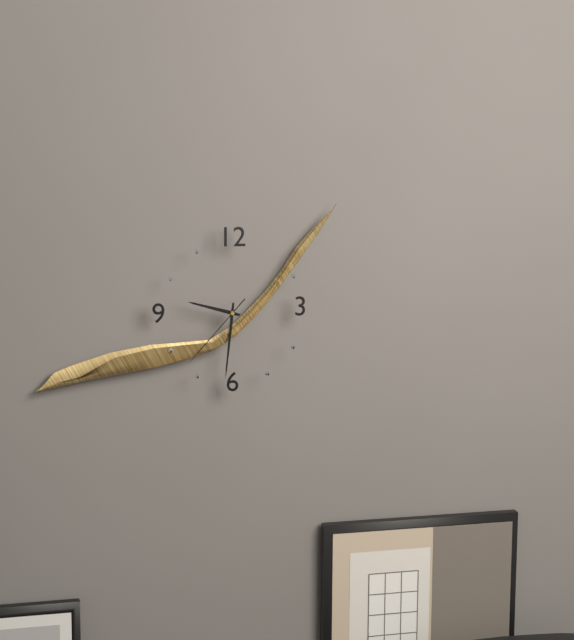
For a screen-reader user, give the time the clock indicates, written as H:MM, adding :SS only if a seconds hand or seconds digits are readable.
9:31:37
